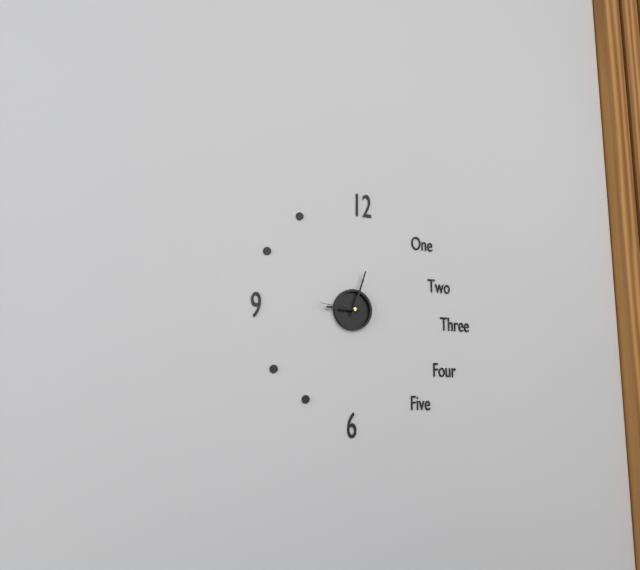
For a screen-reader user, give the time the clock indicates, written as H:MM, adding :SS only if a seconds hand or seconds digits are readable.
9:03
